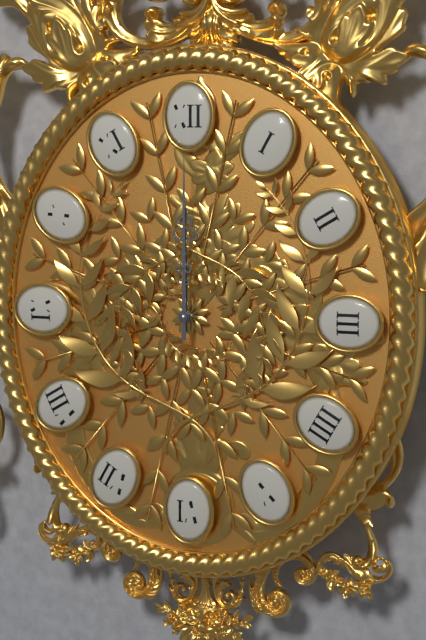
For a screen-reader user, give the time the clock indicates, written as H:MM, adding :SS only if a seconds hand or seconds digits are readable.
12:00
